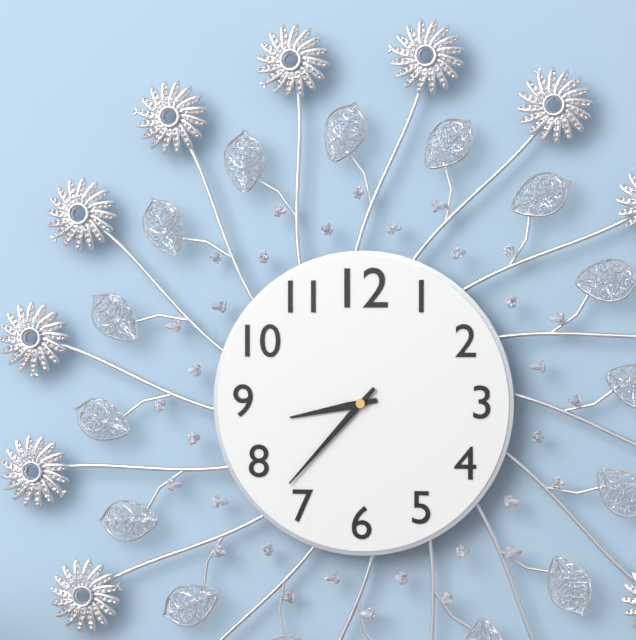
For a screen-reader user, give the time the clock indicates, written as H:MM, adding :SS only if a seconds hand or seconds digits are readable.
8:37
